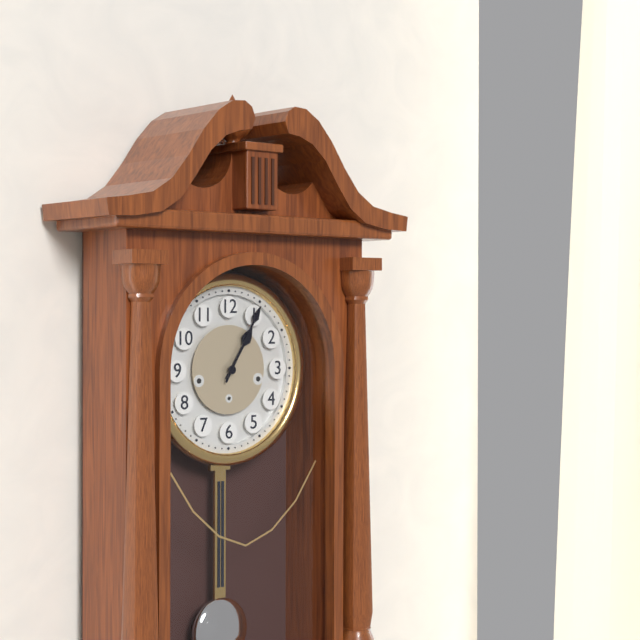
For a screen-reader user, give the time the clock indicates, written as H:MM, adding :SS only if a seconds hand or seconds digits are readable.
1:05
